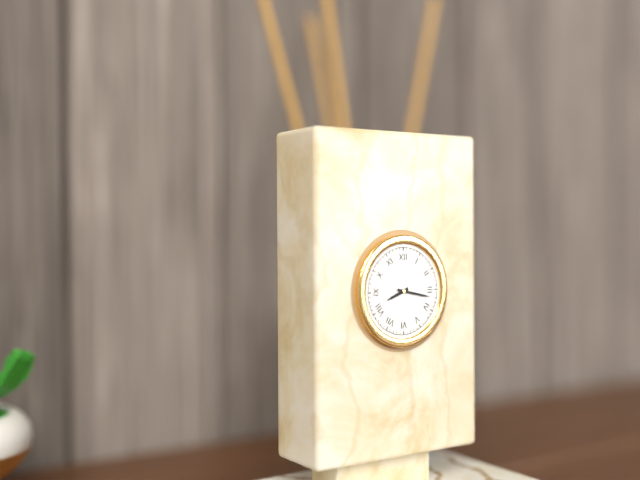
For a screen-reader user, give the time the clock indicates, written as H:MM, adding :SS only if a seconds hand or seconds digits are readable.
8:17
